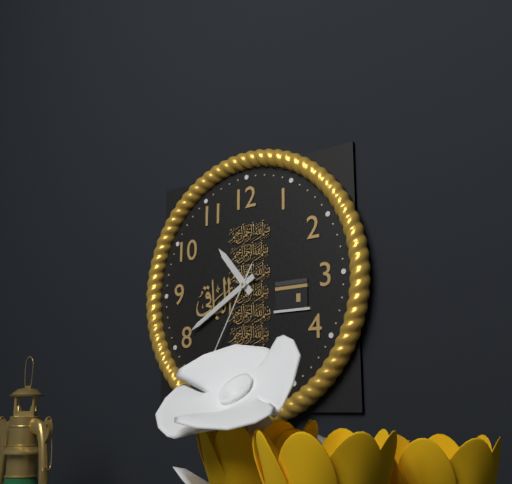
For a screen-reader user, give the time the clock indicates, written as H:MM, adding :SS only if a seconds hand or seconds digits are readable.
10:40:35
